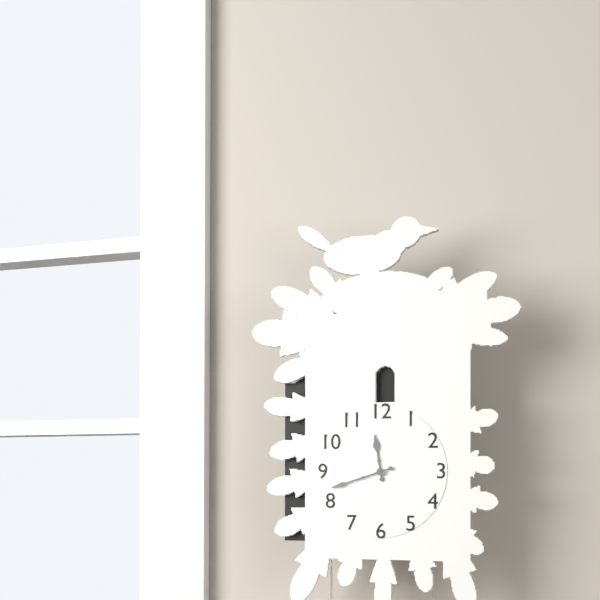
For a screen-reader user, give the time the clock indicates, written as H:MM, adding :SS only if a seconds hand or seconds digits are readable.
11:42
